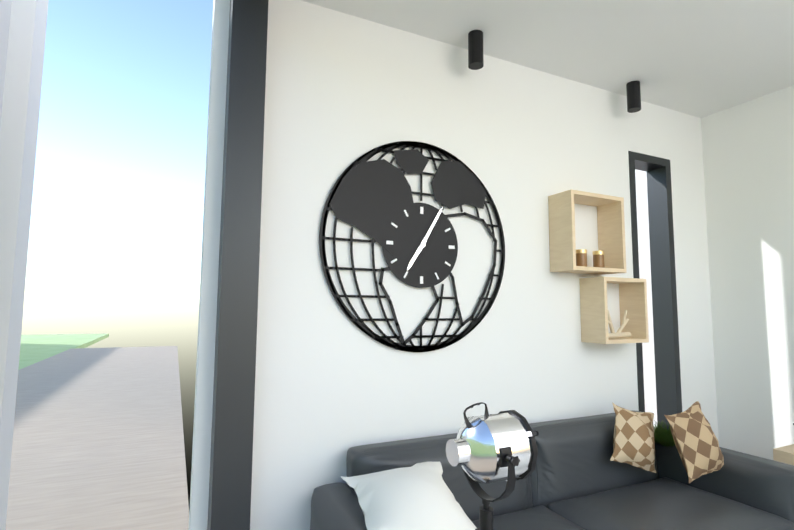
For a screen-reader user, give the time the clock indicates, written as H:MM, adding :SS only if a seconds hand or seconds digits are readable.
7:05
